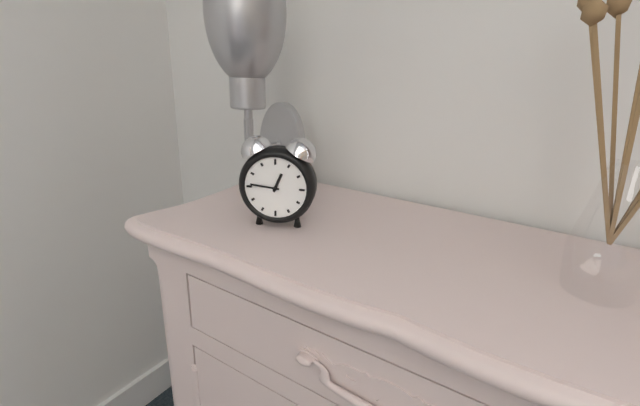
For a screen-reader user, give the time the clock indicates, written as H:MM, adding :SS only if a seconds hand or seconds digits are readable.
12:46
